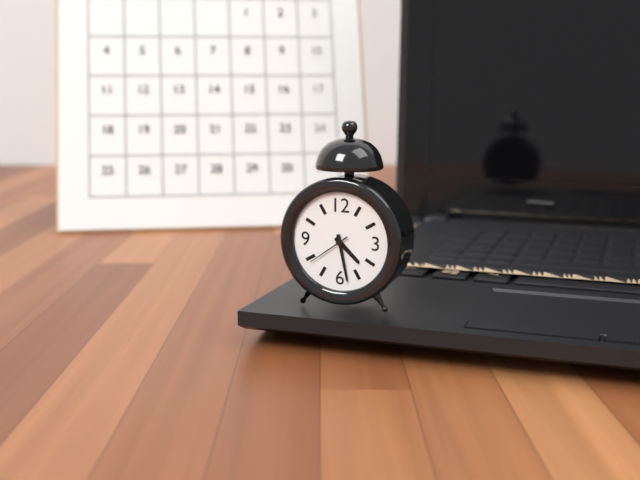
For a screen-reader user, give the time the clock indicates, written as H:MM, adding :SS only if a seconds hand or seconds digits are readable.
4:28
